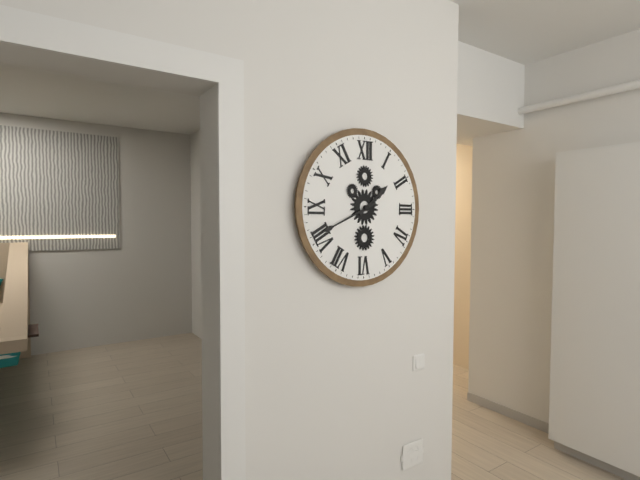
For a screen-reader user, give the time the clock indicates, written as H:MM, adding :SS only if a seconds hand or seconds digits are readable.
1:41
